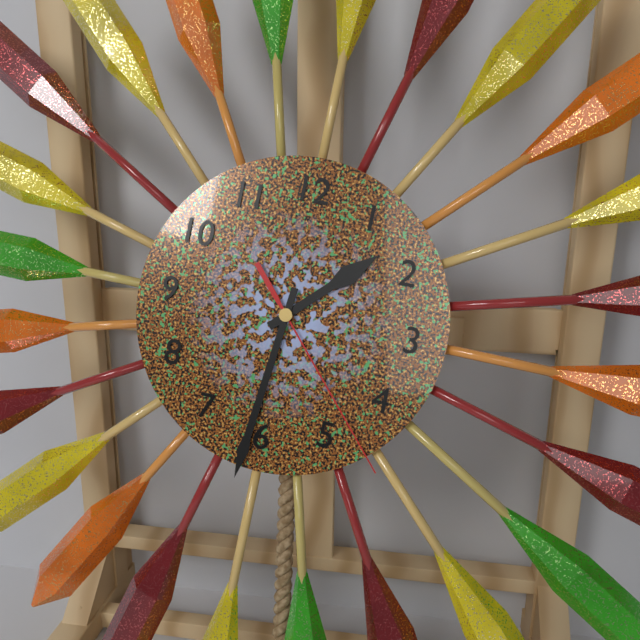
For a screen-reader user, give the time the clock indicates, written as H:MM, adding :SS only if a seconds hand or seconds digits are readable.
1:31:23
